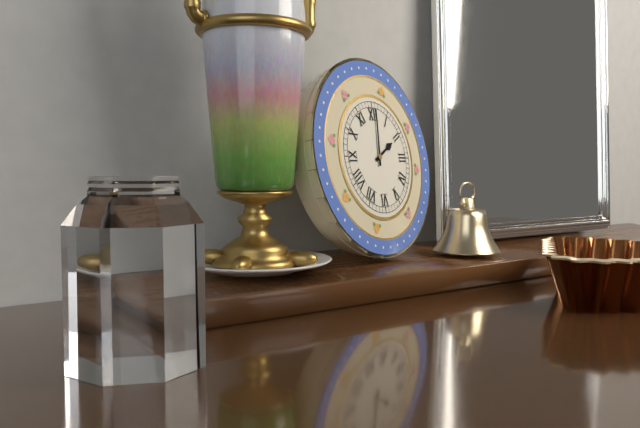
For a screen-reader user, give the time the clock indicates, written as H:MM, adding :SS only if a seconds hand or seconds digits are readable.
2:01
